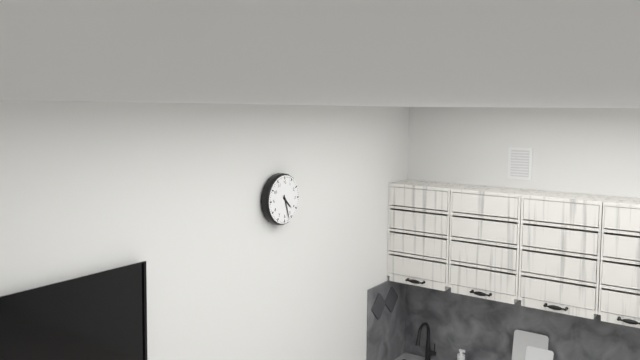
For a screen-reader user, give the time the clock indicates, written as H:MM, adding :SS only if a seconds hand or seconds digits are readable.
4:27
